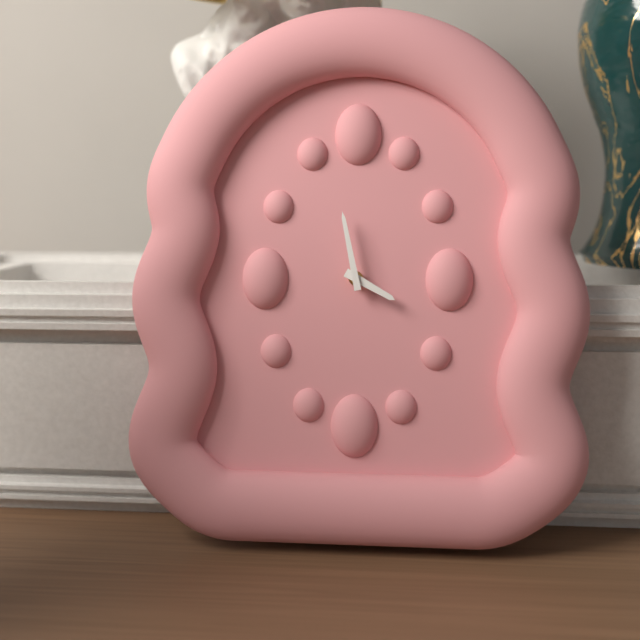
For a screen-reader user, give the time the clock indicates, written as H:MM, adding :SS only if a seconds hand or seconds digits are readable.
3:58
